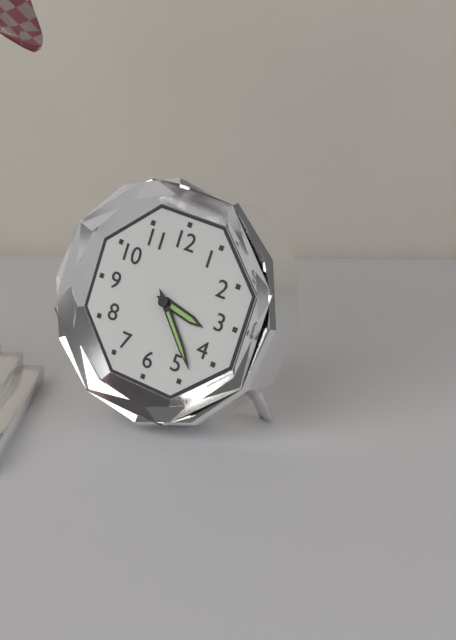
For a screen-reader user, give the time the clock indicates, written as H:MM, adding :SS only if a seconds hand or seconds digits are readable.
3:23
